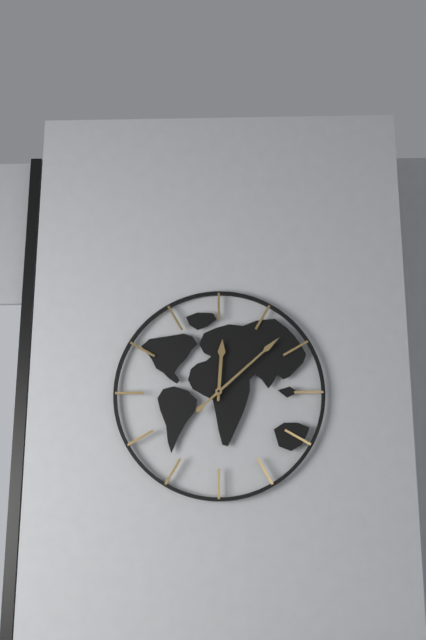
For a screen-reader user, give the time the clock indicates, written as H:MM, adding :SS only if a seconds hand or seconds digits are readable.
12:08
